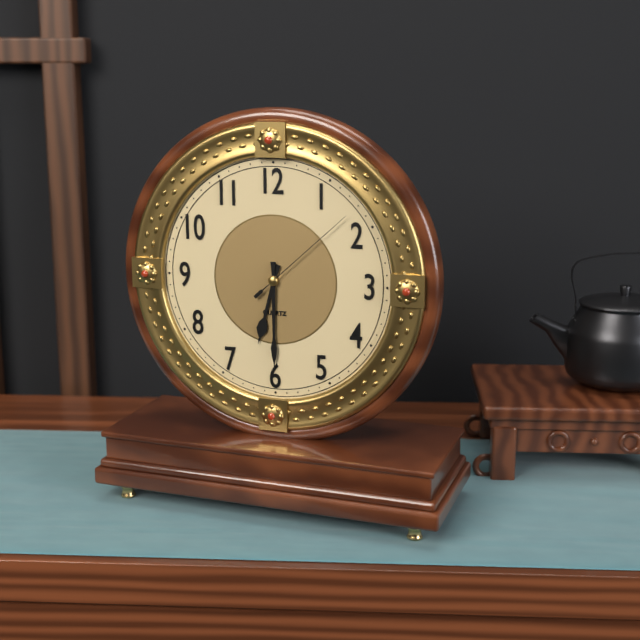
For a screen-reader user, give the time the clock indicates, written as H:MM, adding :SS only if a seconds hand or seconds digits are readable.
6:30:08
